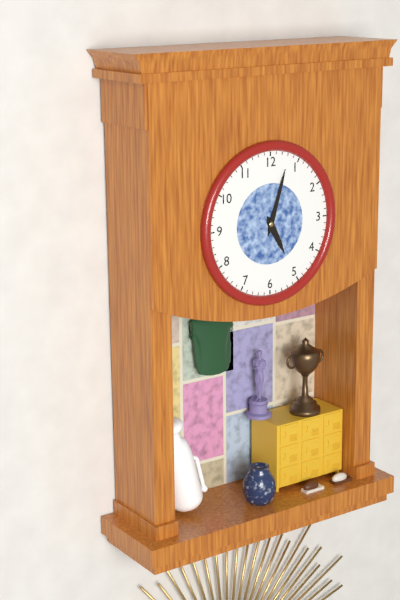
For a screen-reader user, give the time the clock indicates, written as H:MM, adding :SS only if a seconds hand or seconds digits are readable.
5:03
